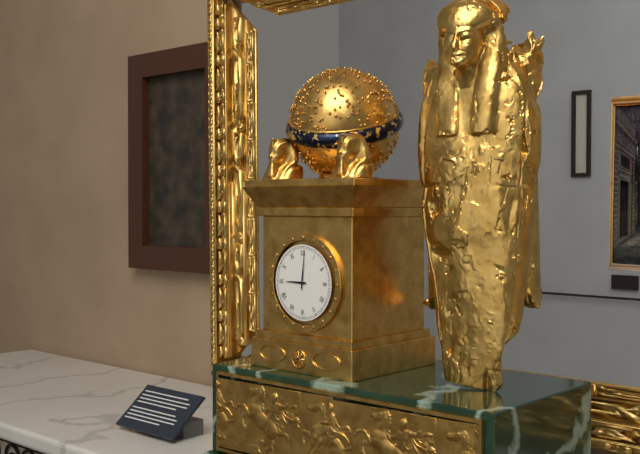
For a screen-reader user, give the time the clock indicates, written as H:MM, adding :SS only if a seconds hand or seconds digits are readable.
9:01
